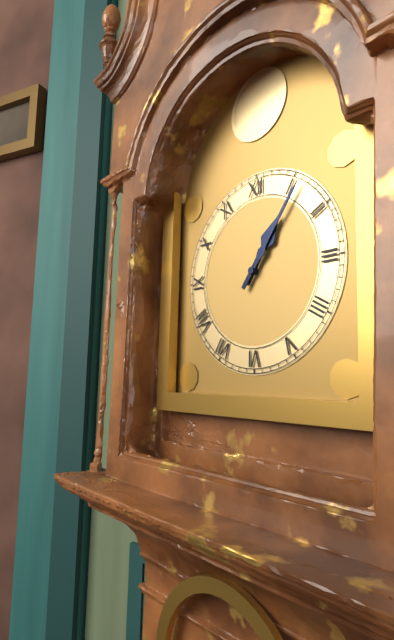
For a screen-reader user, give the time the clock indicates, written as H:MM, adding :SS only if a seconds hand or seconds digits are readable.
1:06
